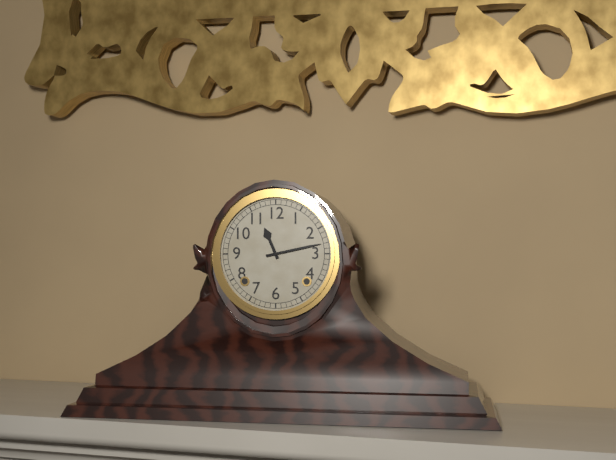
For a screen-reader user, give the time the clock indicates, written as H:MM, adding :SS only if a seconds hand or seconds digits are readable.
11:13
